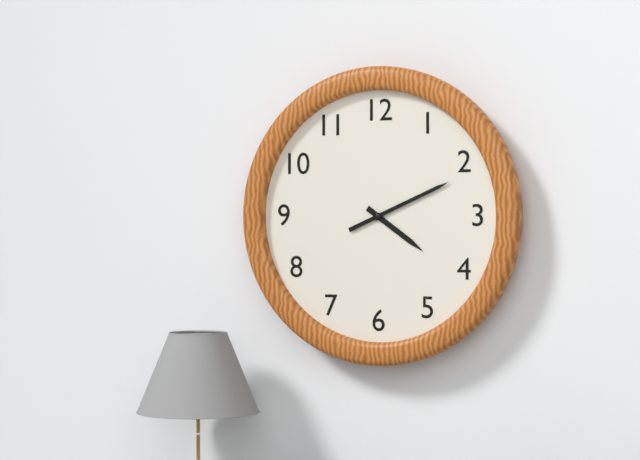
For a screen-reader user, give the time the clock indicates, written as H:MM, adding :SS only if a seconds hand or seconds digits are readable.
4:11
